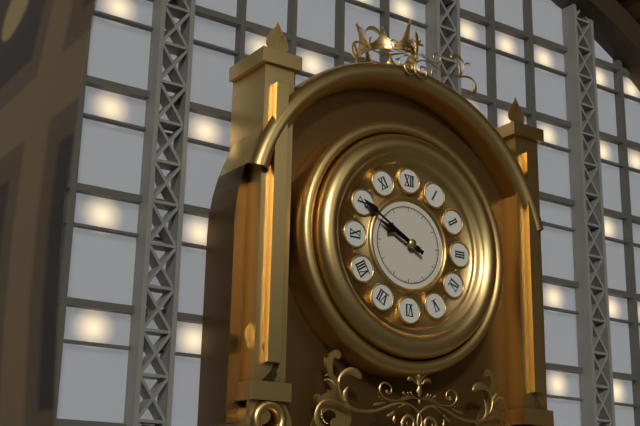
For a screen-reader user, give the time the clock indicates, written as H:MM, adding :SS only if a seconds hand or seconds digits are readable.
9:50
